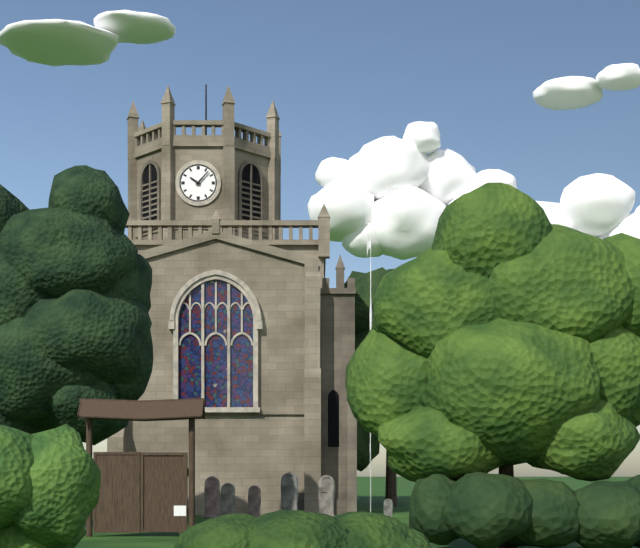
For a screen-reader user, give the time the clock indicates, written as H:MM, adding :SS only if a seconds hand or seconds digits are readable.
10:07
